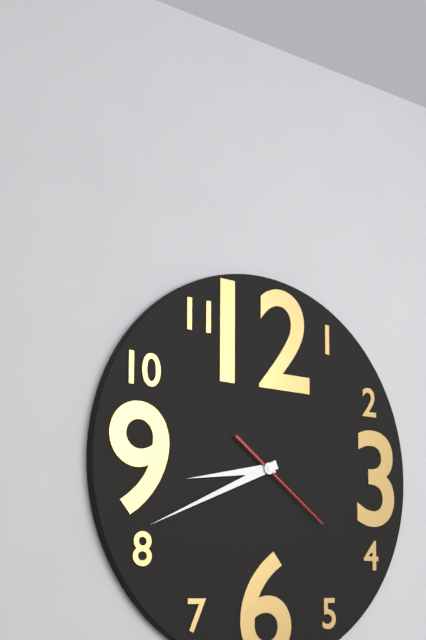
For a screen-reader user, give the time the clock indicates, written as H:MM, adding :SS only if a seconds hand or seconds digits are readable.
8:41:21
